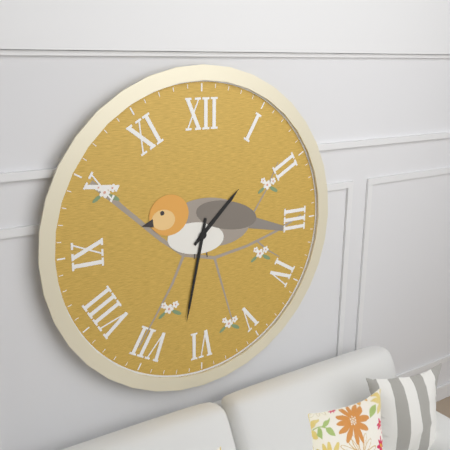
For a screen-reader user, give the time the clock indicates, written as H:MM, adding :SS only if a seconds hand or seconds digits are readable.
1:32
